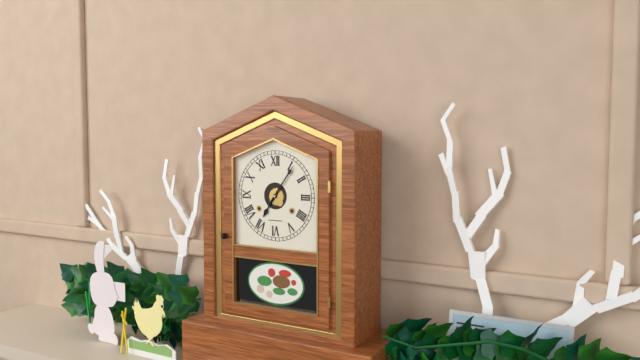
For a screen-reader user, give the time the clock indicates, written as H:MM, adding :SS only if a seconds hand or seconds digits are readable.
7:06
